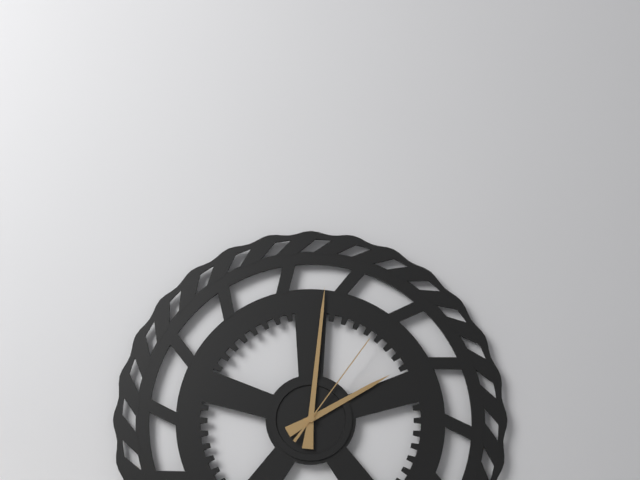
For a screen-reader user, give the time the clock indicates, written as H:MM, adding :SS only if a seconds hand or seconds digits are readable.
2:01:06
